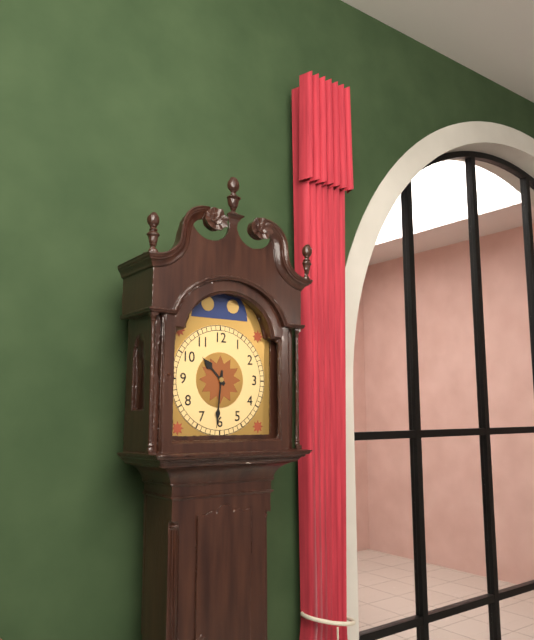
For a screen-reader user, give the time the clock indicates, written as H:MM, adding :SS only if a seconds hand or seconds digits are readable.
10:31
